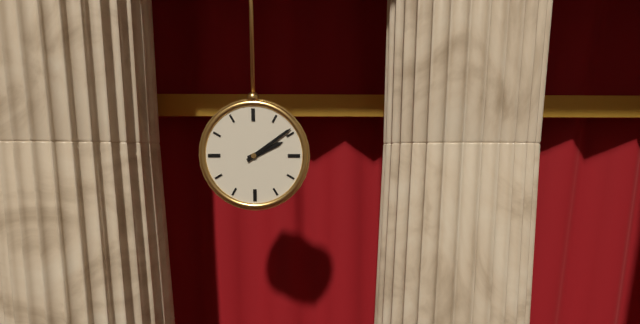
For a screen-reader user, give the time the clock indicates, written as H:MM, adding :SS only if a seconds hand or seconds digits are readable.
2:09
